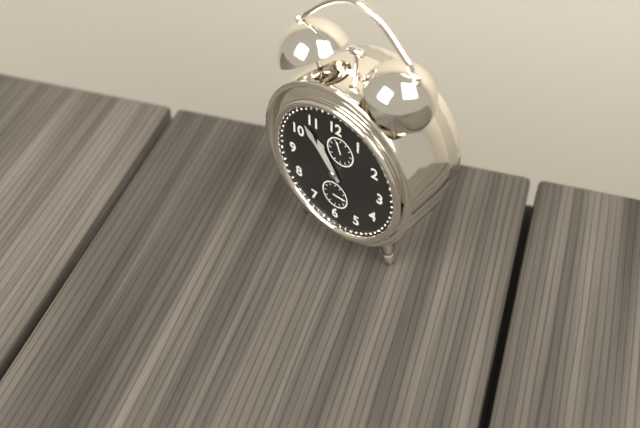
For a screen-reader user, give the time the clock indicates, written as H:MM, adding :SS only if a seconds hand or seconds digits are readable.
10:53
